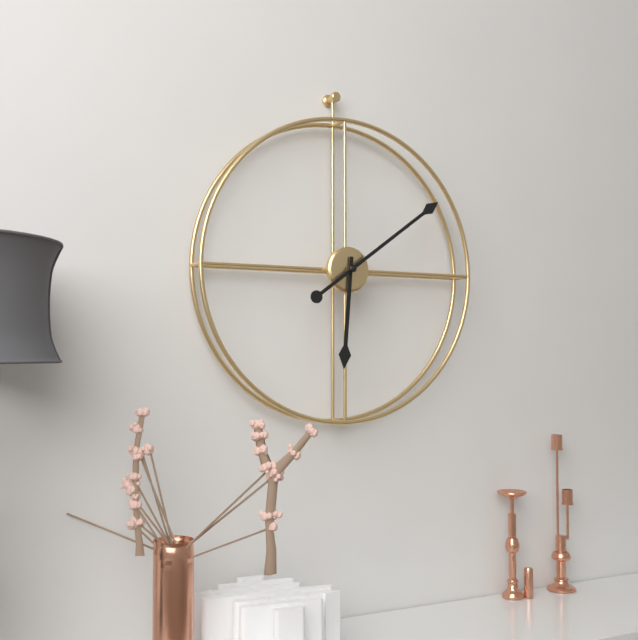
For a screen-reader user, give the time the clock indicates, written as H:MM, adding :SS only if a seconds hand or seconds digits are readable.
6:09
